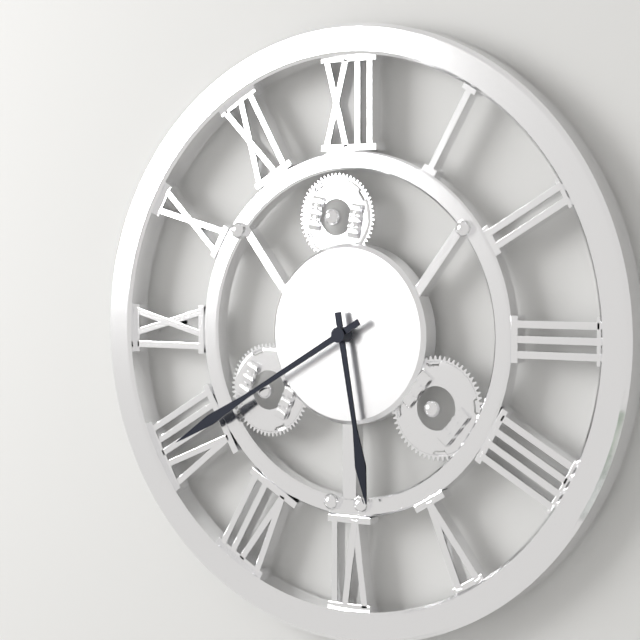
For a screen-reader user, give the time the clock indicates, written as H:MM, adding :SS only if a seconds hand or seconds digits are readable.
5:40
